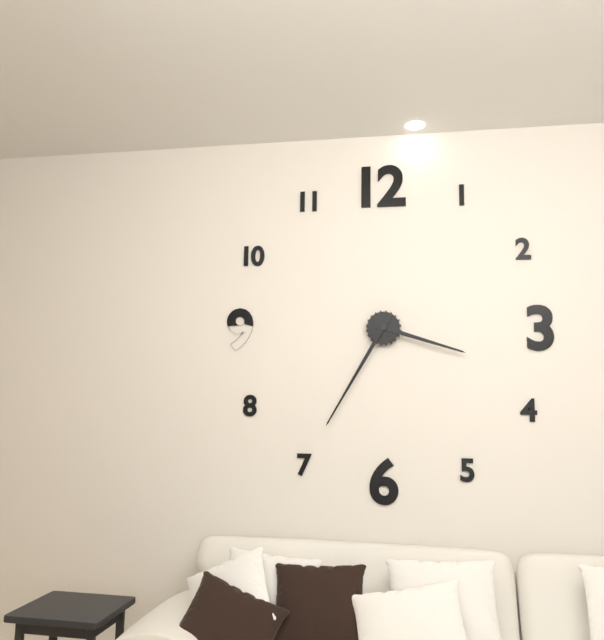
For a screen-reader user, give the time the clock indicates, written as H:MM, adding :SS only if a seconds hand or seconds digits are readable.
3:35
